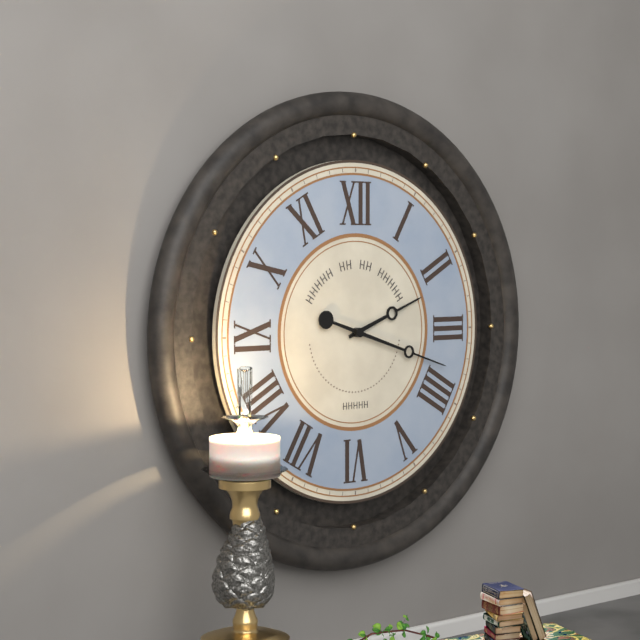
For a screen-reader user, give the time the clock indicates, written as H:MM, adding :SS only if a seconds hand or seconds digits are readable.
2:18
